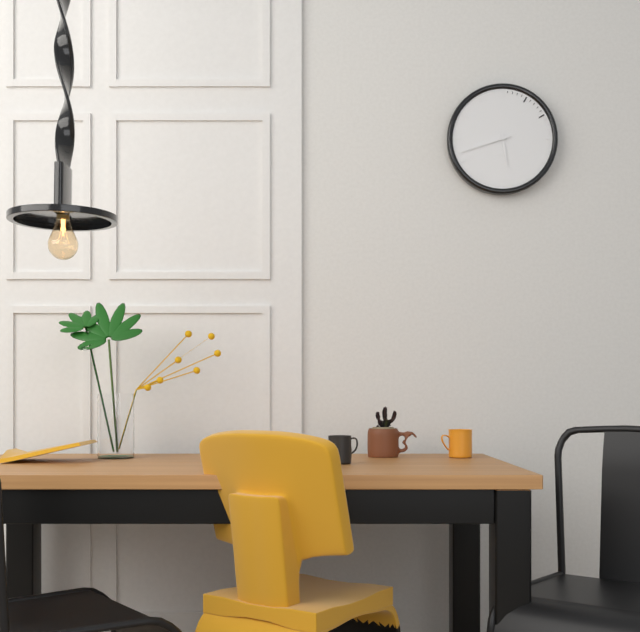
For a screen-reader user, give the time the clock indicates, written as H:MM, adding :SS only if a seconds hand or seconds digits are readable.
5:42
